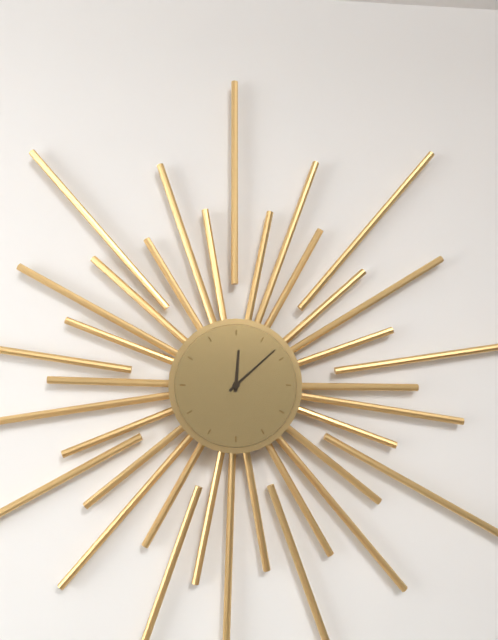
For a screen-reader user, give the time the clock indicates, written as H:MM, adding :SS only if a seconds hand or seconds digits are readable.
12:08
